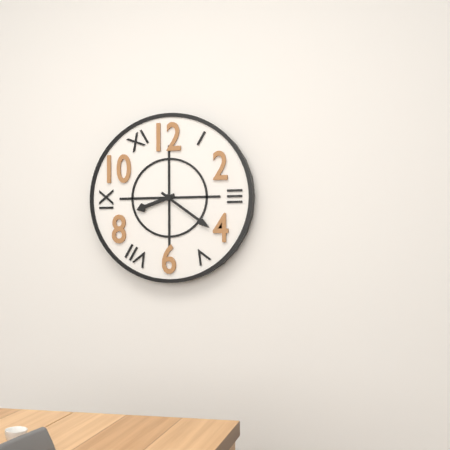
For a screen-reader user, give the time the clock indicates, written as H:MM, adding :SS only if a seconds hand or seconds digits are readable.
8:21
